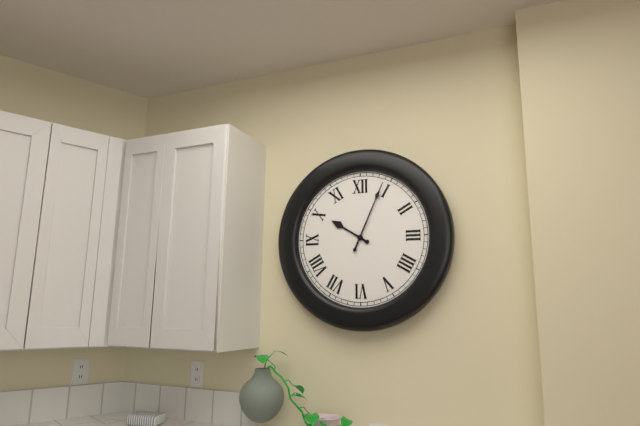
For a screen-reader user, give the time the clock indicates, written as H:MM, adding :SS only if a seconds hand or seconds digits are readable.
10:04
